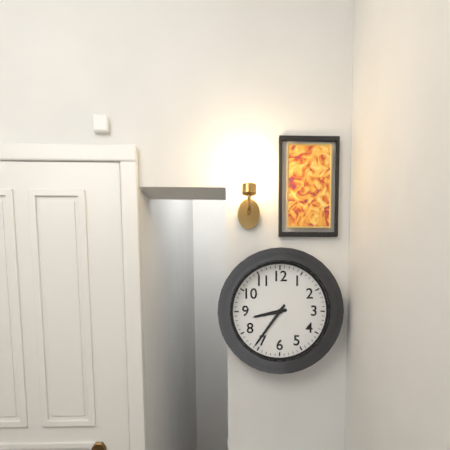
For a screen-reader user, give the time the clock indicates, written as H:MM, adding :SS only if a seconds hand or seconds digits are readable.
8:36
